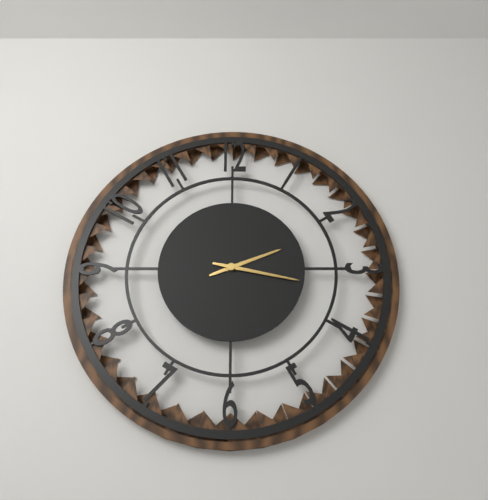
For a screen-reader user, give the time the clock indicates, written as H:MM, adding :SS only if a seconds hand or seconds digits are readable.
2:17
